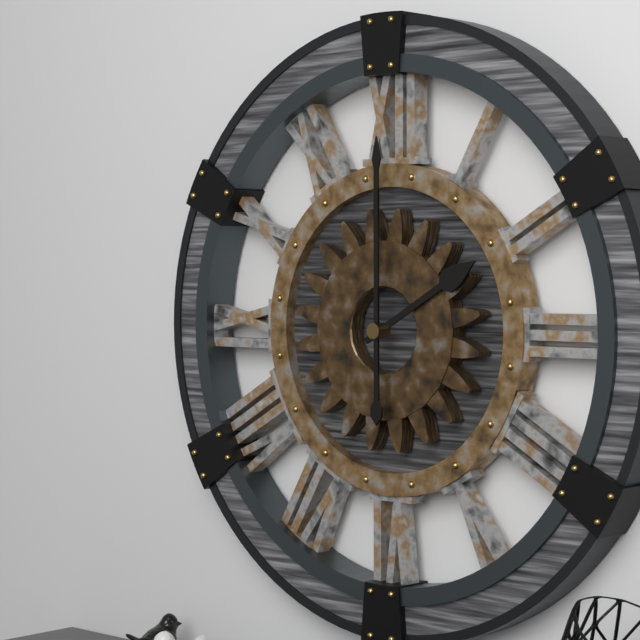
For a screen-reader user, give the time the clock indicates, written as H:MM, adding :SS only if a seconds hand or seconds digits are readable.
2:00
